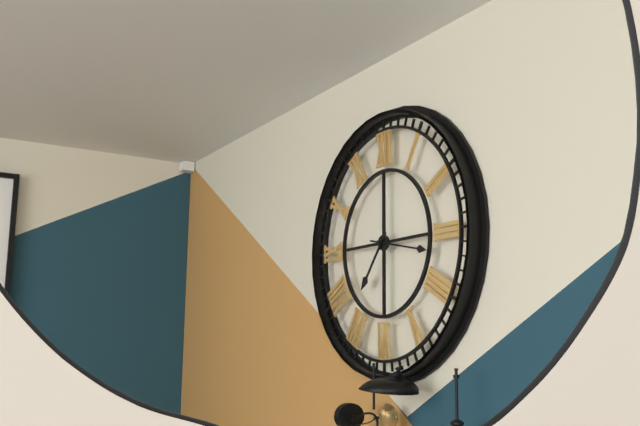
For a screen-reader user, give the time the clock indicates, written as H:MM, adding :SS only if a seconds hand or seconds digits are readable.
7:17
